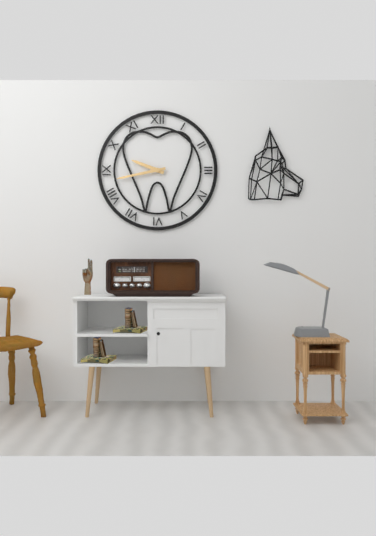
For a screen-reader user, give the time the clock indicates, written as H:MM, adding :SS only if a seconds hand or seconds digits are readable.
9:43
